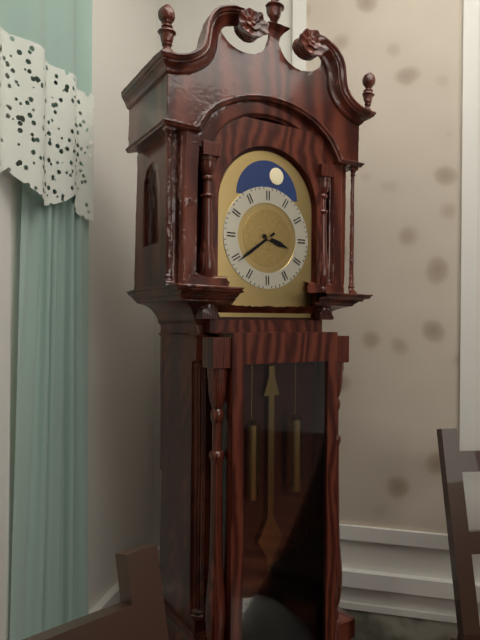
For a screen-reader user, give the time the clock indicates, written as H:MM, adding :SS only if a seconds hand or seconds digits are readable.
3:39
